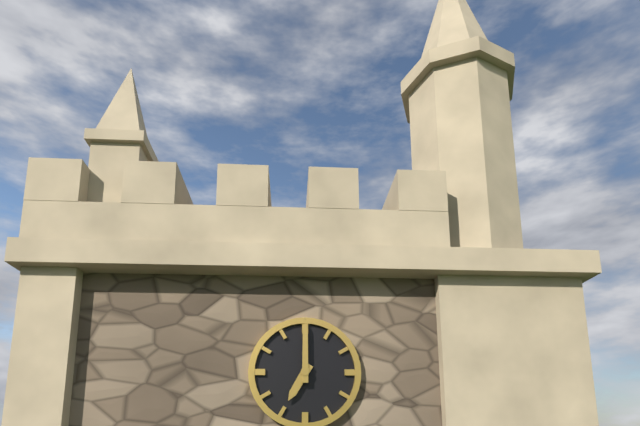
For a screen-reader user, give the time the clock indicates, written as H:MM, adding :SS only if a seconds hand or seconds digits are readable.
7:00
